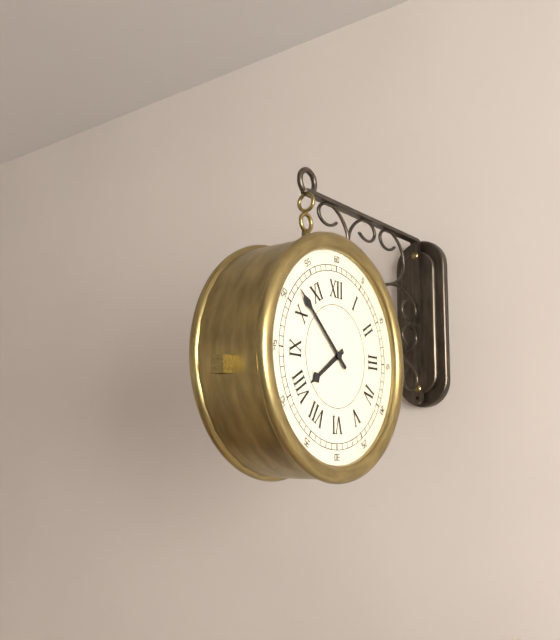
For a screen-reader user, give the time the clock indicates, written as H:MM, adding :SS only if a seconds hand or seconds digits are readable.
7:52
